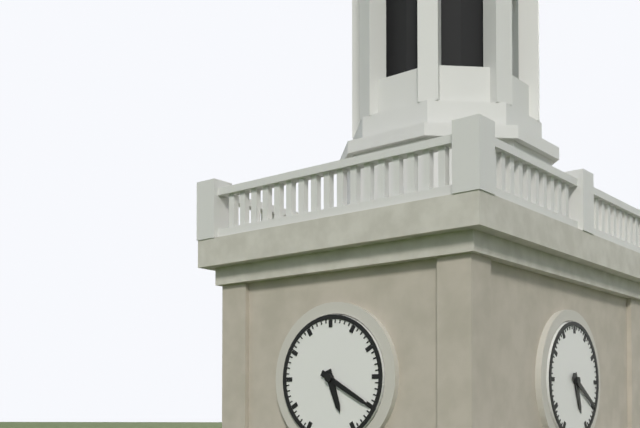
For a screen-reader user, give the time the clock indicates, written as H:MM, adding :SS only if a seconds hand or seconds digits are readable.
5:20
